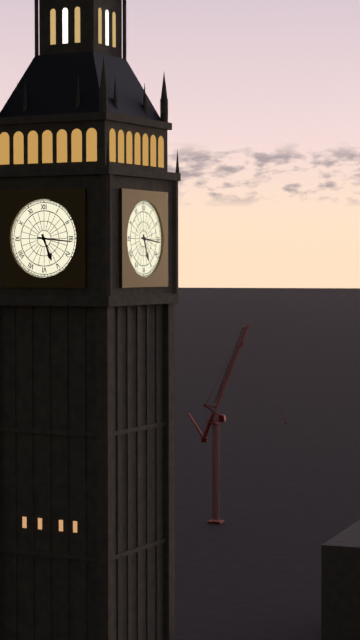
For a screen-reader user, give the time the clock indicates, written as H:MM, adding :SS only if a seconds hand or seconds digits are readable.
5:16
